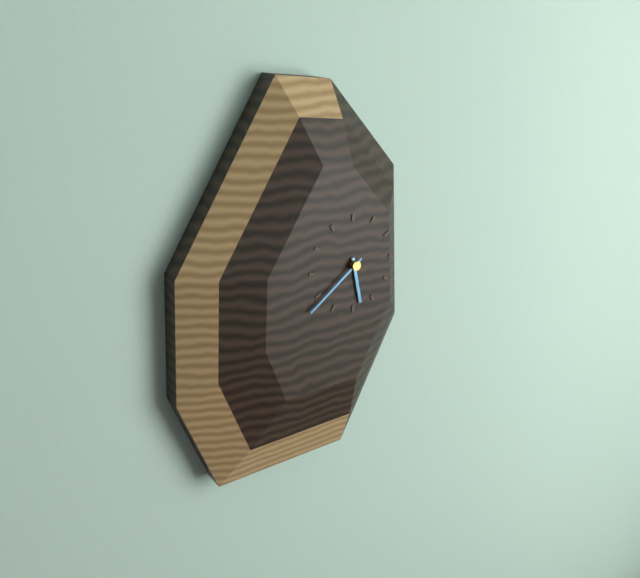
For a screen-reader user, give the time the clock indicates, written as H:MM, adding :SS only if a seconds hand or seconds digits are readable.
5:39
